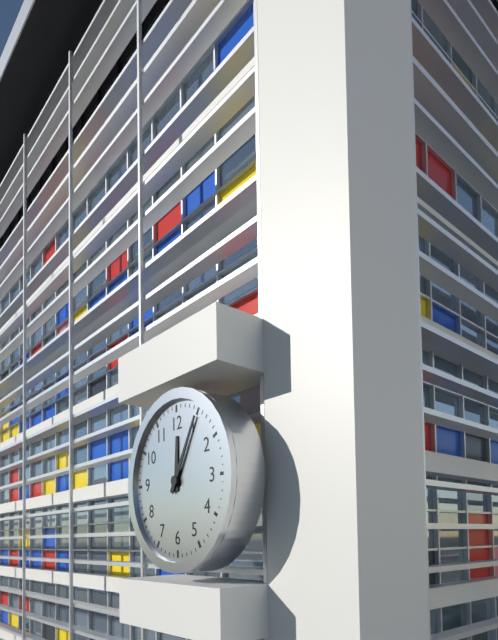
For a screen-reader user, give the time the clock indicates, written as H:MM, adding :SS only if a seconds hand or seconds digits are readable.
12:05
